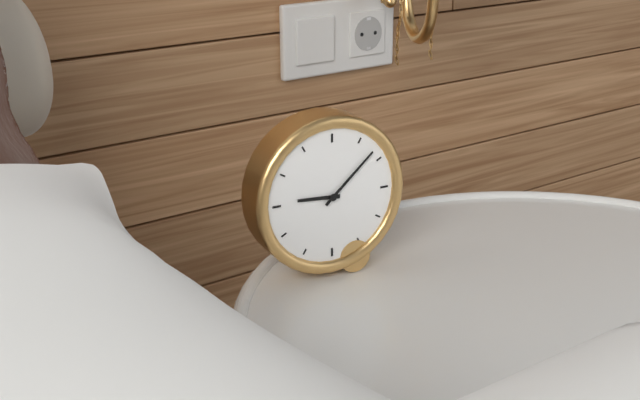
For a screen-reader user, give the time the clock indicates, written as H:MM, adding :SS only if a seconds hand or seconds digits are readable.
9:08
